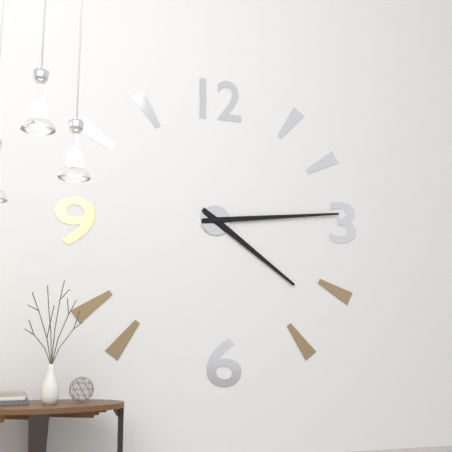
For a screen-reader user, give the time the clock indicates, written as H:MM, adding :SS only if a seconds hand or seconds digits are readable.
4:14
